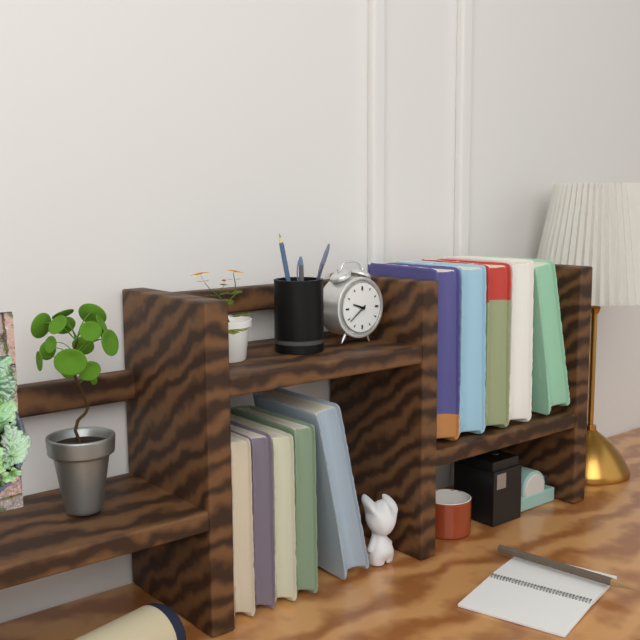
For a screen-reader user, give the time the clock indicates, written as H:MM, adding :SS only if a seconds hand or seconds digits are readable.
9:39
